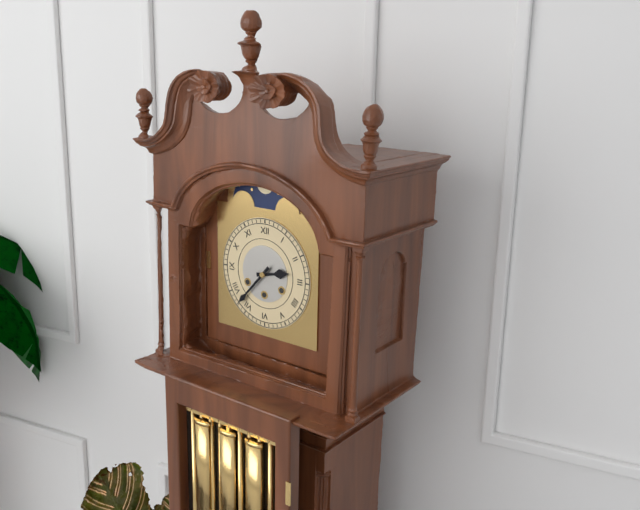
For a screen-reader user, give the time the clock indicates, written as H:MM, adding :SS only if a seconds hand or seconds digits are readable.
2:37
